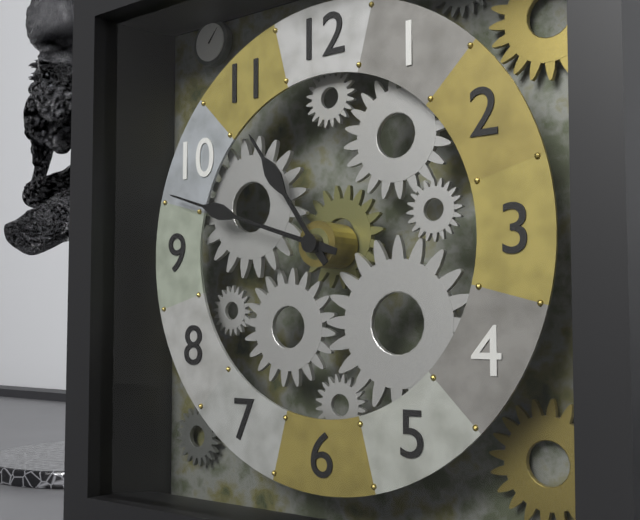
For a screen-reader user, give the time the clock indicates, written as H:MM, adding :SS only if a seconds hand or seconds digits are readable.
10:48
